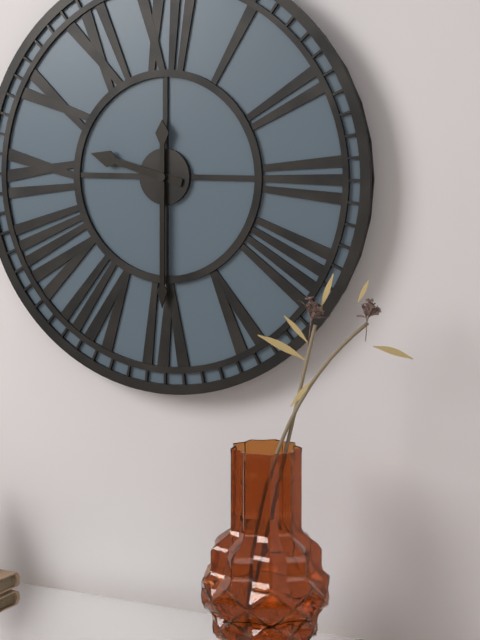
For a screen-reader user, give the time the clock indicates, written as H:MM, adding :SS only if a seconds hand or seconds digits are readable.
9:30
